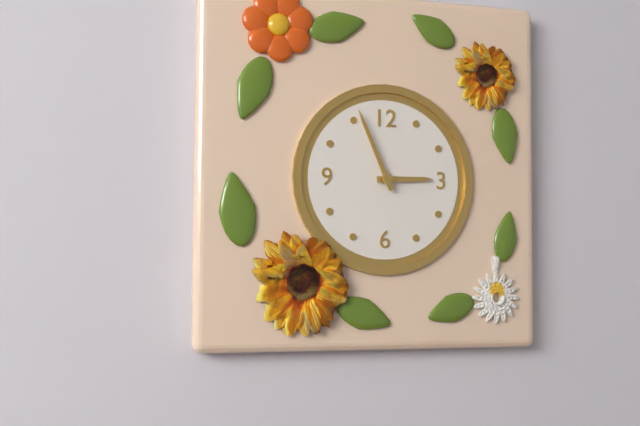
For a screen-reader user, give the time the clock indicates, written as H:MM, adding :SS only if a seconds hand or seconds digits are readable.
2:56
